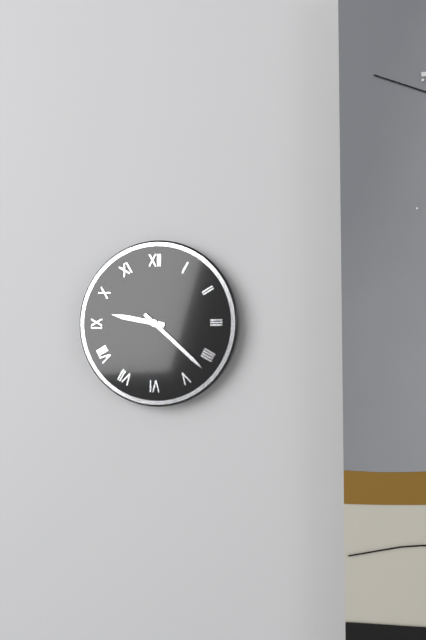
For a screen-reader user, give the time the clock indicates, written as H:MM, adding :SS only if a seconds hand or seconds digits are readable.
9:22
